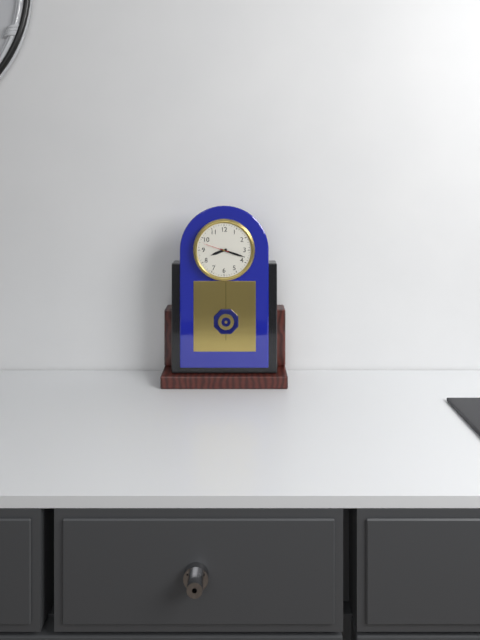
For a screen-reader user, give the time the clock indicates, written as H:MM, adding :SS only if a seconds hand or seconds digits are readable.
8:18
